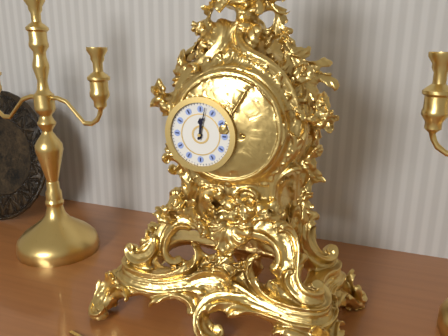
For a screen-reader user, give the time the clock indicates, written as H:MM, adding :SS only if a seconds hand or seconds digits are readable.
12:02
